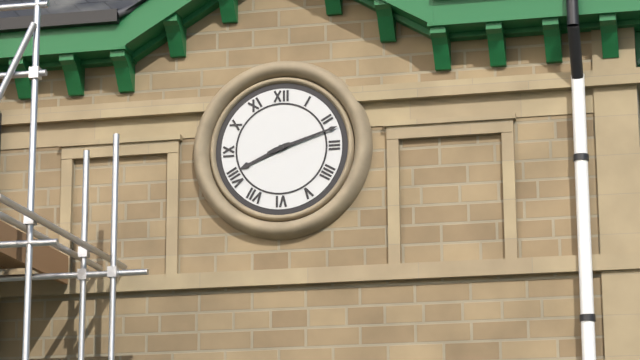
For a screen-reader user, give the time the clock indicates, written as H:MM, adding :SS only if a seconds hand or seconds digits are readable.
8:12
